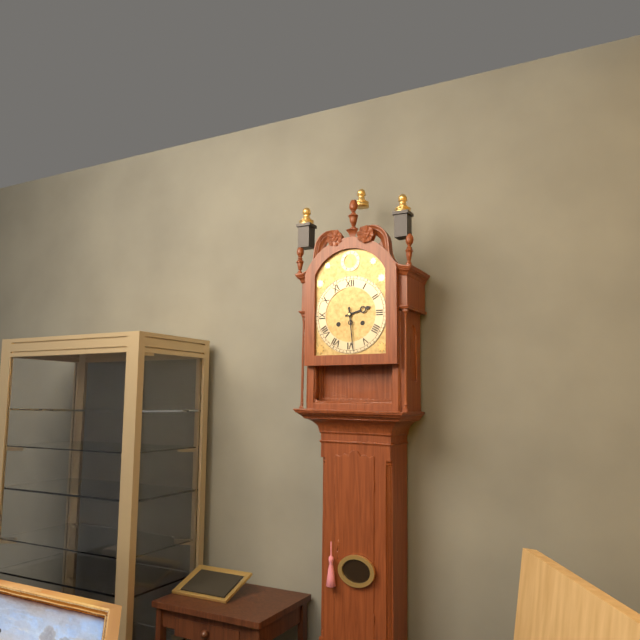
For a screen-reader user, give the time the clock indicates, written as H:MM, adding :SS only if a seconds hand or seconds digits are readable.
2:29
